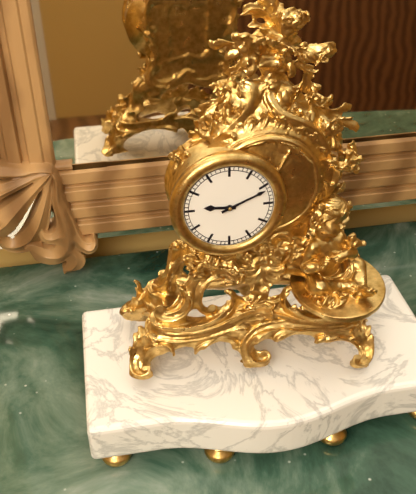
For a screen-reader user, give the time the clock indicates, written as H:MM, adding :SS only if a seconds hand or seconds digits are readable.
9:11
